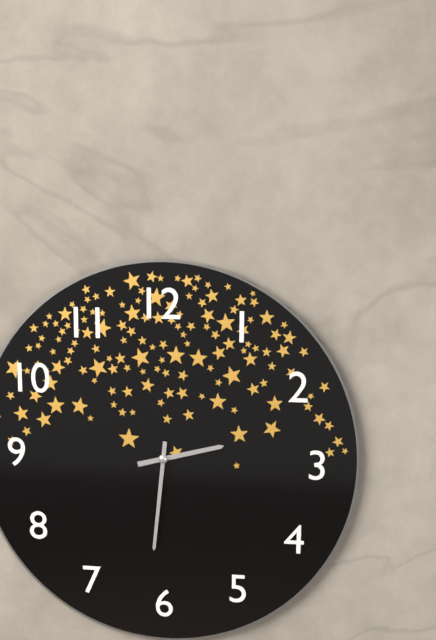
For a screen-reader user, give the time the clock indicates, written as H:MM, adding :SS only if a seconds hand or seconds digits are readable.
2:31
